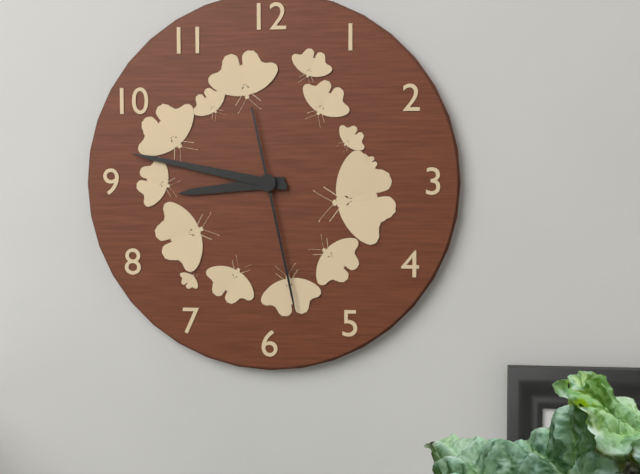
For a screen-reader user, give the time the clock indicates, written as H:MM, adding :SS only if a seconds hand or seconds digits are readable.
8:47:28
